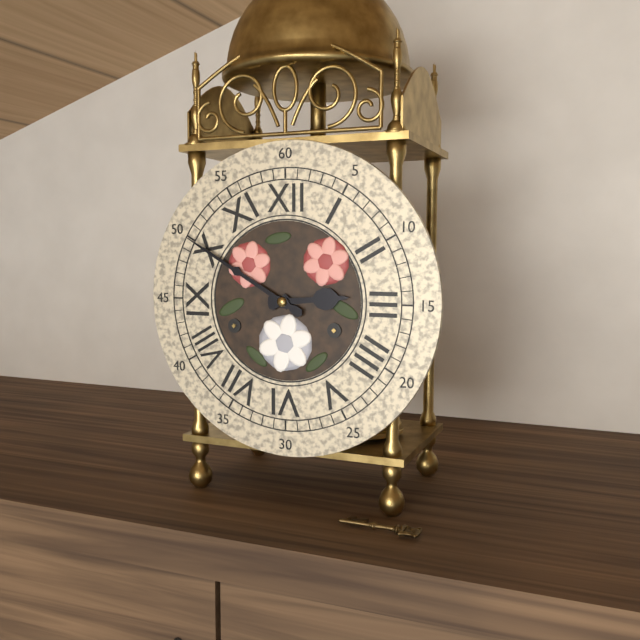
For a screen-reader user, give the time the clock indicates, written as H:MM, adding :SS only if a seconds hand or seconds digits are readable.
2:50
